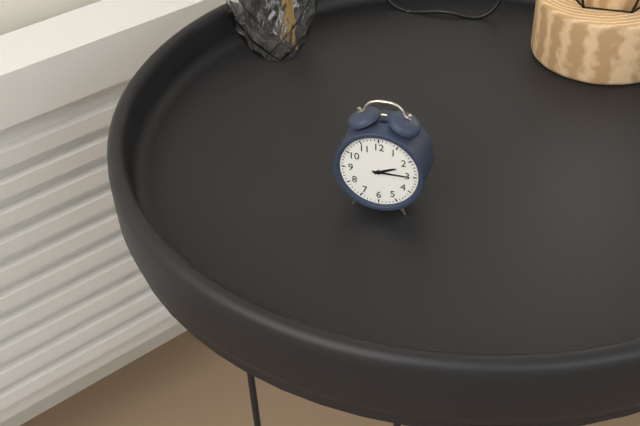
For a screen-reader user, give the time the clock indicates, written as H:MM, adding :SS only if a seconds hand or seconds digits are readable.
2:15
